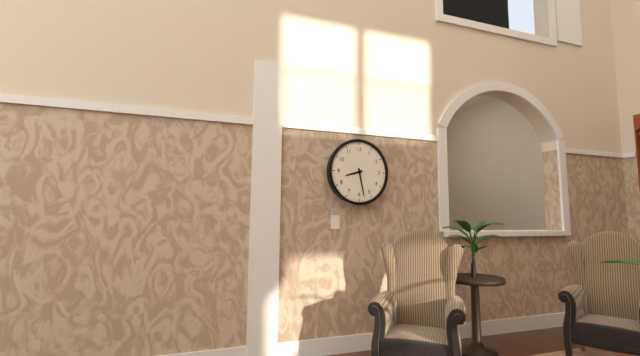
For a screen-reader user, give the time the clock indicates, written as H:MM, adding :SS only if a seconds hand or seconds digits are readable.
8:28
